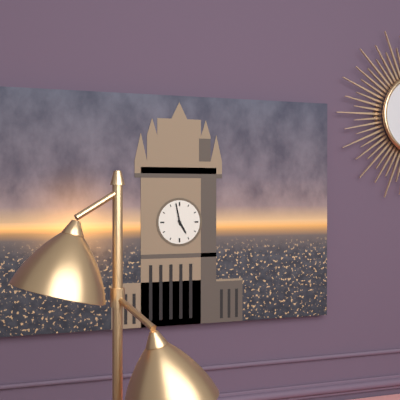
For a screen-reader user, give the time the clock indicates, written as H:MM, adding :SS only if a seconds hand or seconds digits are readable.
4:58
